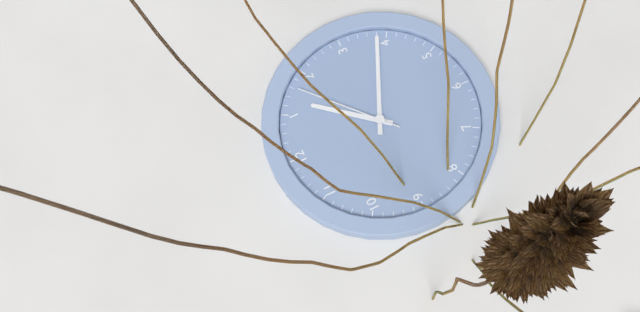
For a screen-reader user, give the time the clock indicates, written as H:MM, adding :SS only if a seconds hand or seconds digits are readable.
1:19:08
